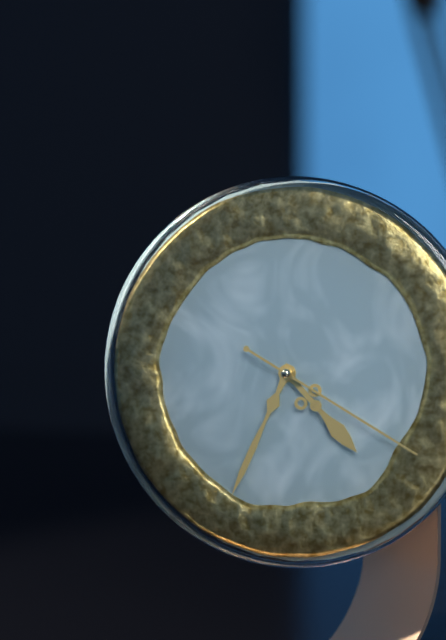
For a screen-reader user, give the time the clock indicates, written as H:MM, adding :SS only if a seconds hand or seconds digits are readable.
4:34:20
